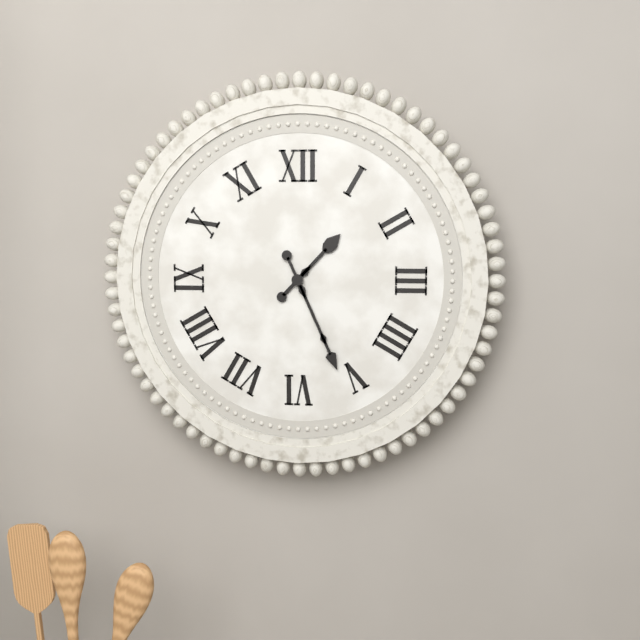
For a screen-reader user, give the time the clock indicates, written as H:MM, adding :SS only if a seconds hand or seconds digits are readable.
1:26
